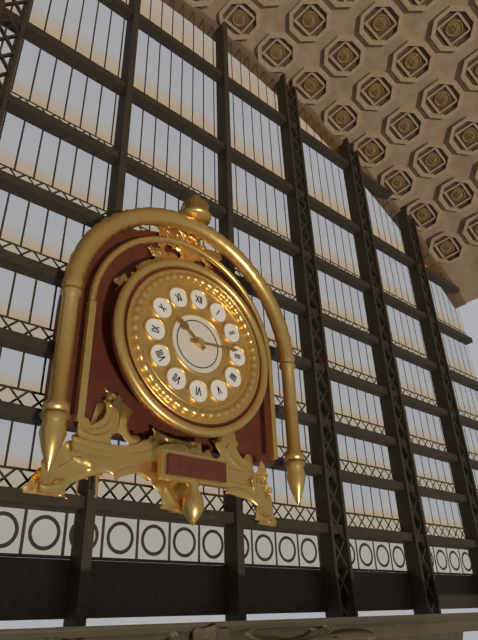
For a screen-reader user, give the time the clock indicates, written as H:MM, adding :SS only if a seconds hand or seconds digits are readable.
10:14
